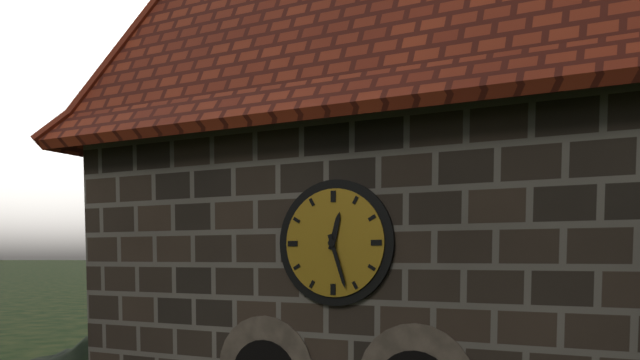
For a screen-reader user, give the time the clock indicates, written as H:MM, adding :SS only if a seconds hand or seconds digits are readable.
12:27
